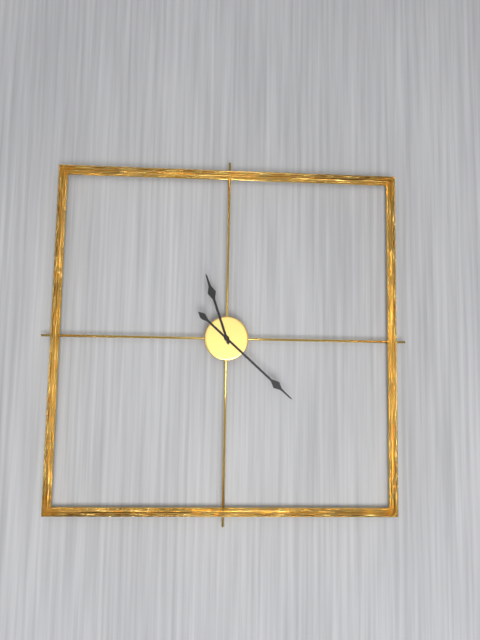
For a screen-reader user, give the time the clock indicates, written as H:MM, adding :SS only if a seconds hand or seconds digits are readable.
11:22
